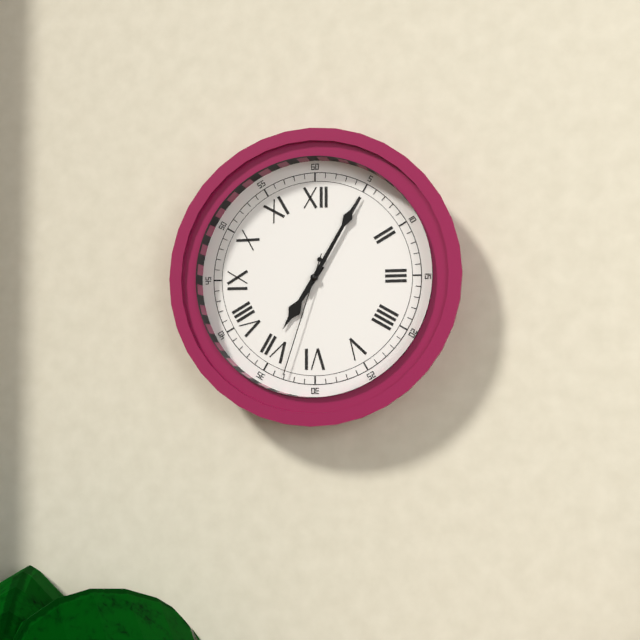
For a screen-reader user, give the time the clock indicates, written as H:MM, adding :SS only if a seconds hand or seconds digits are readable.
7:05:33
